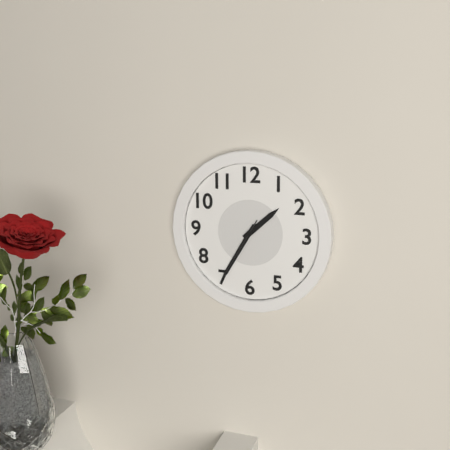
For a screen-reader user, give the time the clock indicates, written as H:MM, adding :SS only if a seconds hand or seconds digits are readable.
1:35:35
